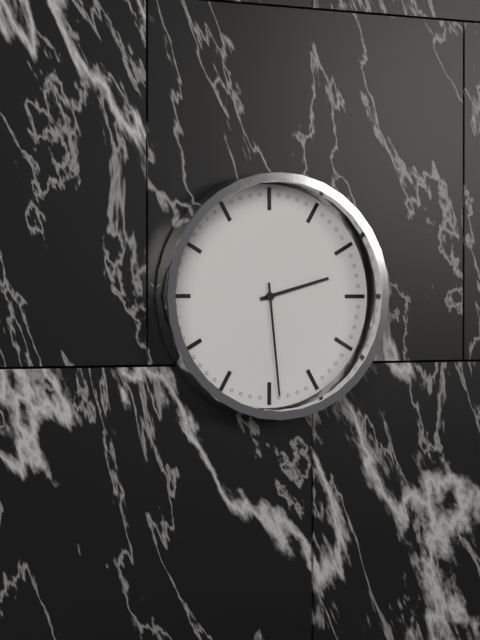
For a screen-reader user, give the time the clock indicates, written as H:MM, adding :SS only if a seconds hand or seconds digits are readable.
2:29
